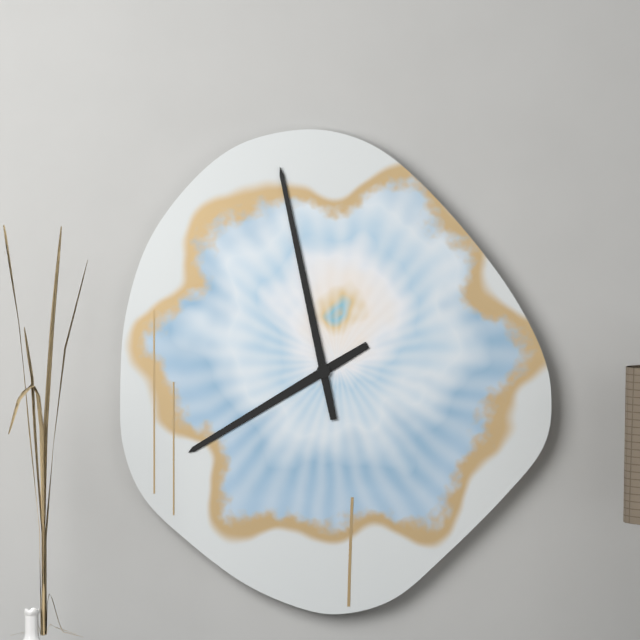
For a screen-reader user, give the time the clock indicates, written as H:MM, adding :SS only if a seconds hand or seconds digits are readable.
7:58
